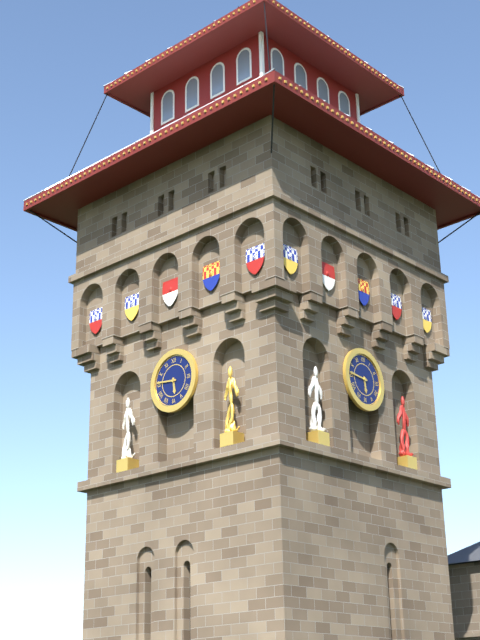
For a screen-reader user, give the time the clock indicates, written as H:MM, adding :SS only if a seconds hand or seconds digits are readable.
5:46
